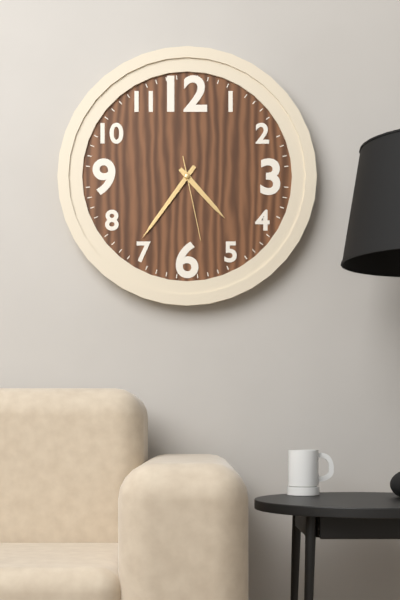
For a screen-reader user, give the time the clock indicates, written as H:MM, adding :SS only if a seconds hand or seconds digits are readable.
4:36:28
